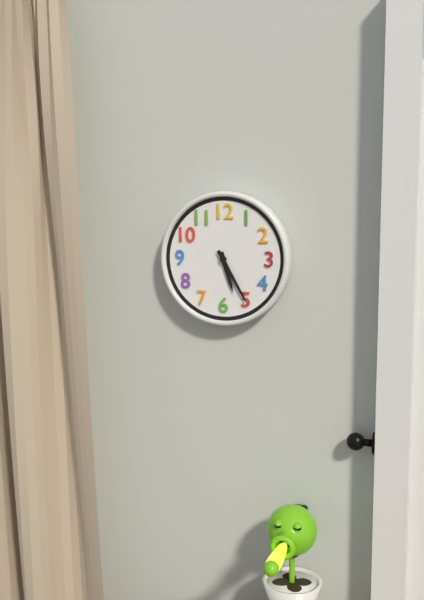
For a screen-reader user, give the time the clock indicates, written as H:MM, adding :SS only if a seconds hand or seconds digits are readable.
5:25
